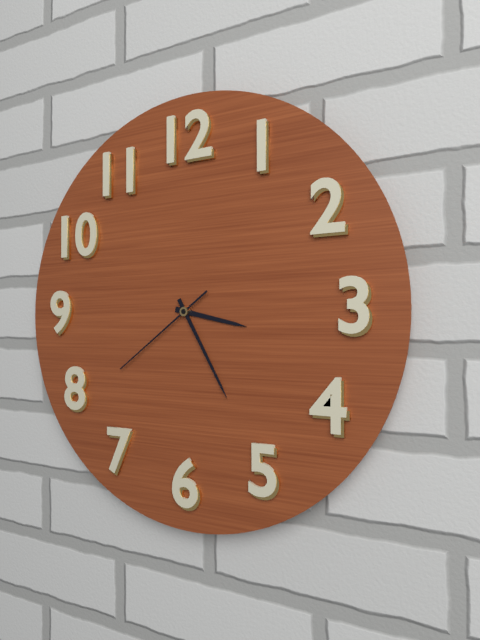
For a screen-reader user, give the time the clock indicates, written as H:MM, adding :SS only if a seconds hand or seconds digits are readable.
3:25:39
